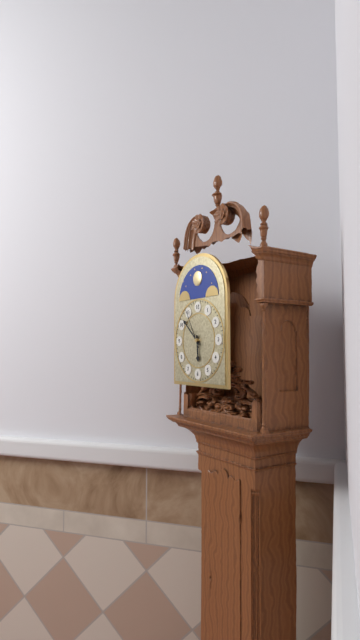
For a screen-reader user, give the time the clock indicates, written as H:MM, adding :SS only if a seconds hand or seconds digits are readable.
5:52
